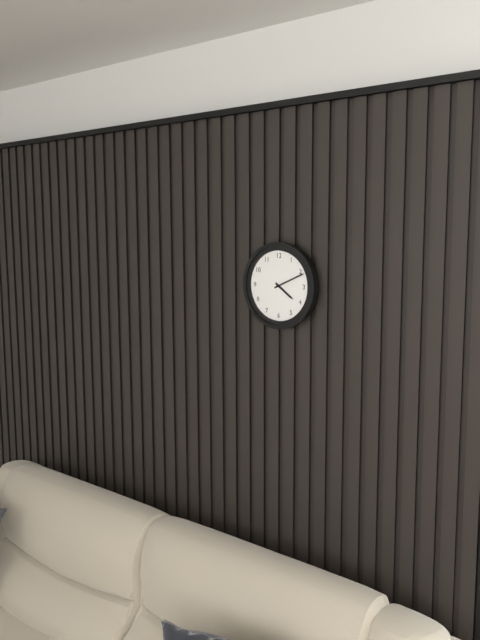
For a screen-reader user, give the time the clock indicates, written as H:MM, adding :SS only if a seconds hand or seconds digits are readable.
4:11
